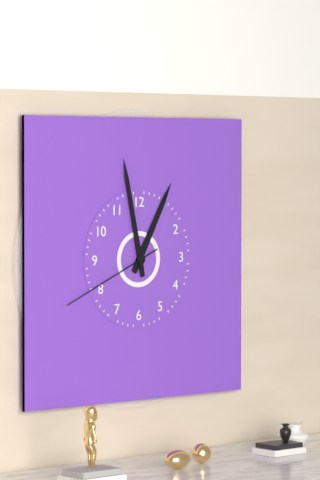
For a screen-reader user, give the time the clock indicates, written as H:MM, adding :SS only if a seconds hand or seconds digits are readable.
12:58:41
